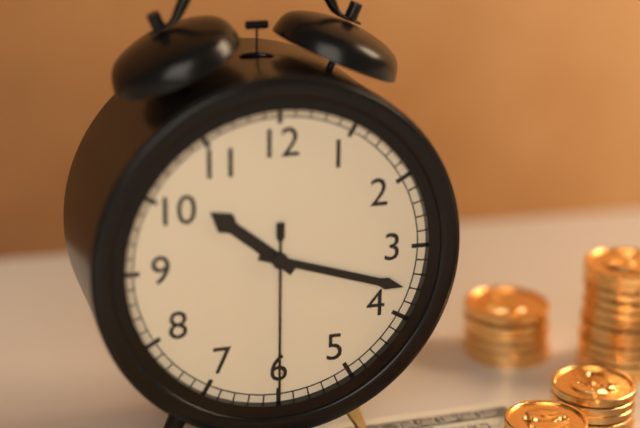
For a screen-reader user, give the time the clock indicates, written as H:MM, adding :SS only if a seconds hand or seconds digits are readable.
10:18:30
